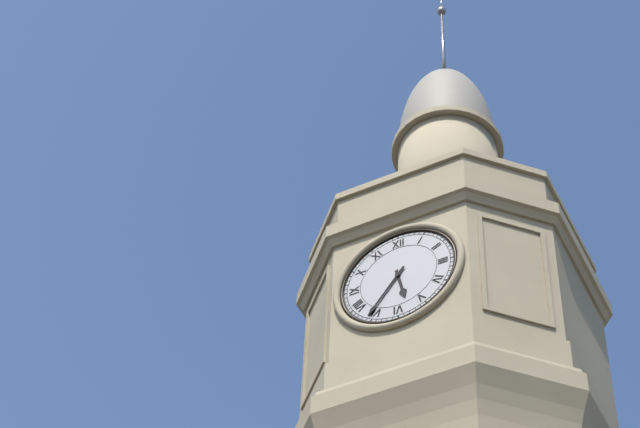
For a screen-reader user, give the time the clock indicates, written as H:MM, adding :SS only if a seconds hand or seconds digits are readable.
5:36
